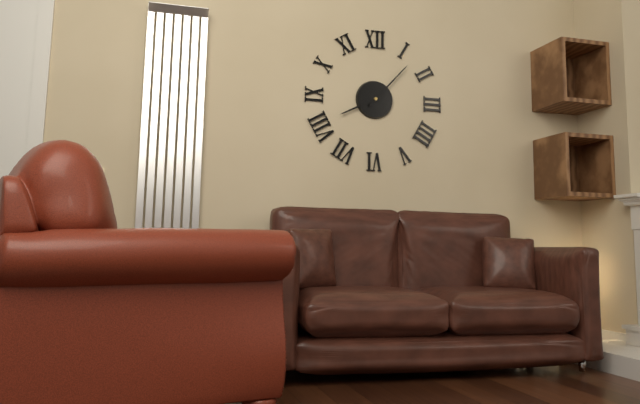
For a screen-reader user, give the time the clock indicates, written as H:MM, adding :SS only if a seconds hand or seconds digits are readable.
8:07
